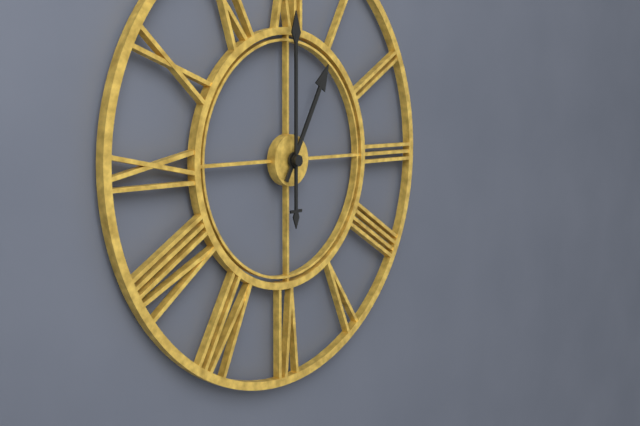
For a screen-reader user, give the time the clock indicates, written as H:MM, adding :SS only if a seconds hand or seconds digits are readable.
1:00
